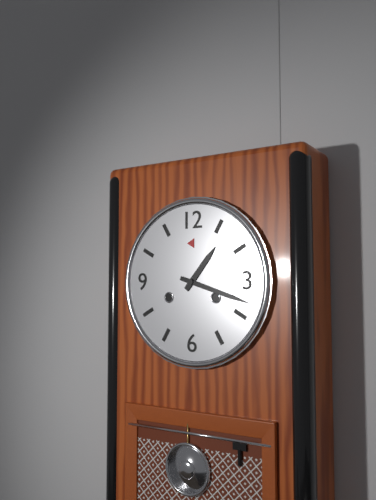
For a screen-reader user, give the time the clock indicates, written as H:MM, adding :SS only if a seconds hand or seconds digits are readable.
1:18
